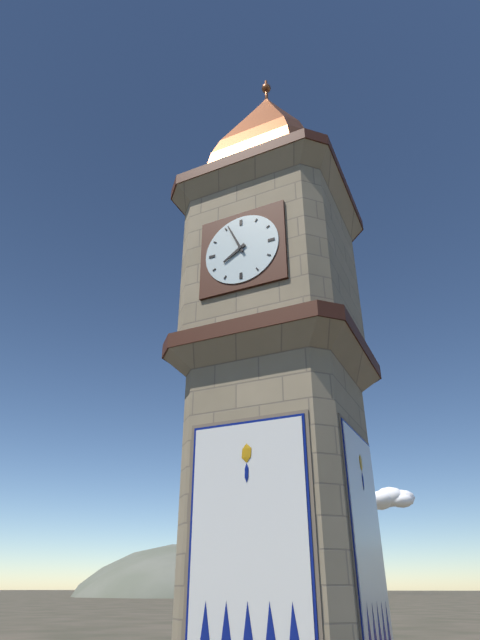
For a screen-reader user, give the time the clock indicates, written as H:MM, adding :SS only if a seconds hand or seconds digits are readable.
7:56
